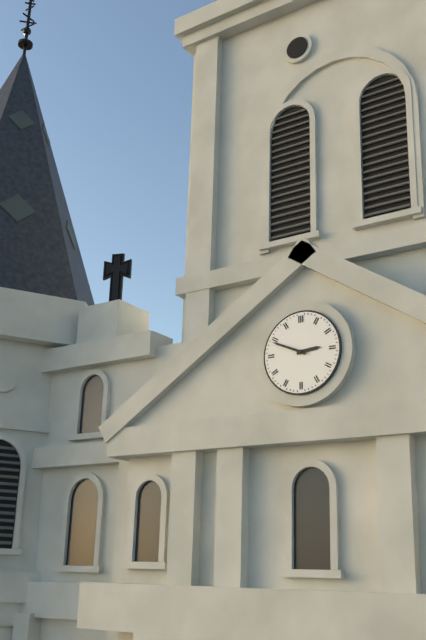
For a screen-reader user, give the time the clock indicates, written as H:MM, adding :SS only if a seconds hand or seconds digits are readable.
2:49
